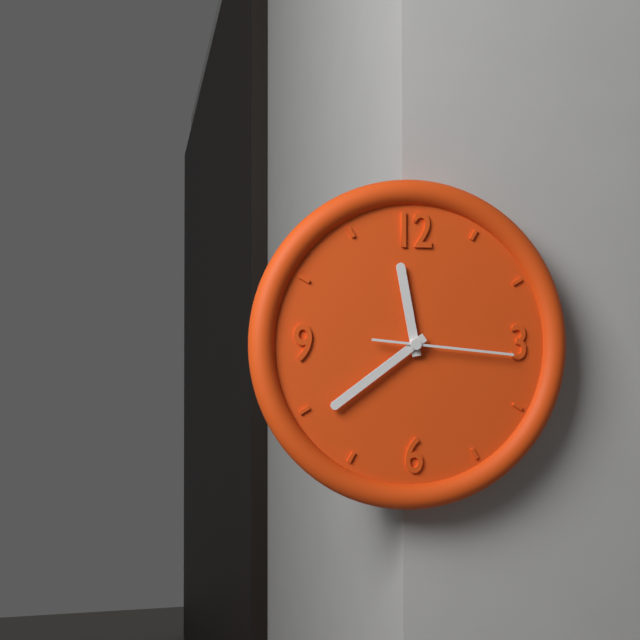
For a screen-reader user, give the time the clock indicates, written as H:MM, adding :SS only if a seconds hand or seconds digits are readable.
11:39:16
